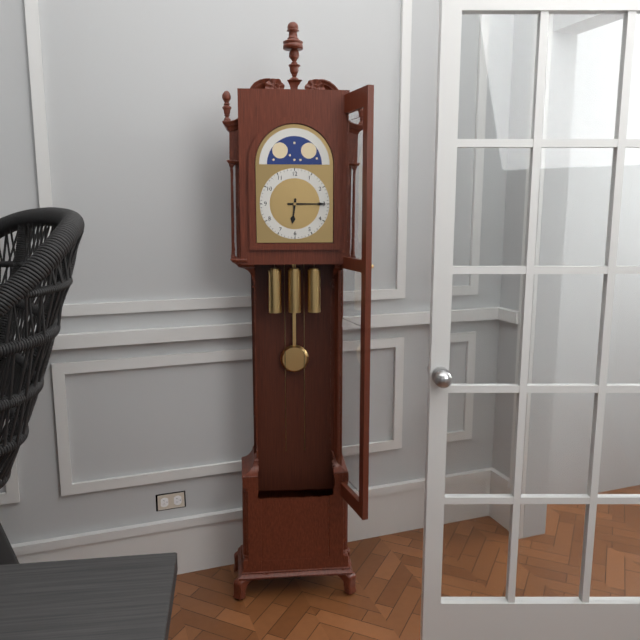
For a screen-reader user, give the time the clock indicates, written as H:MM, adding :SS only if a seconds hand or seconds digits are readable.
6:15
